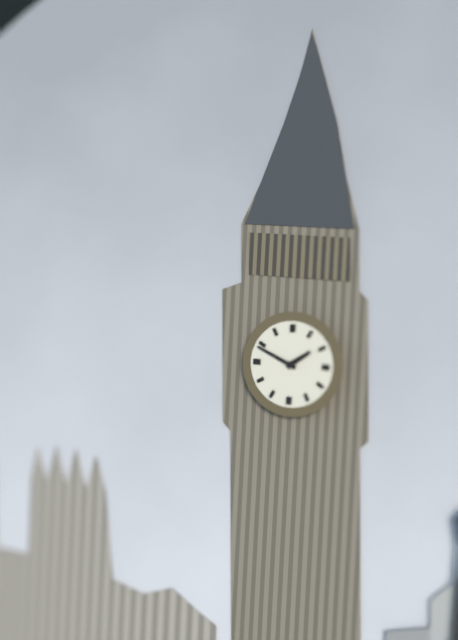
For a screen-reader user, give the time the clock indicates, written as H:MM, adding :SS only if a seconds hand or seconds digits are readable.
1:49
